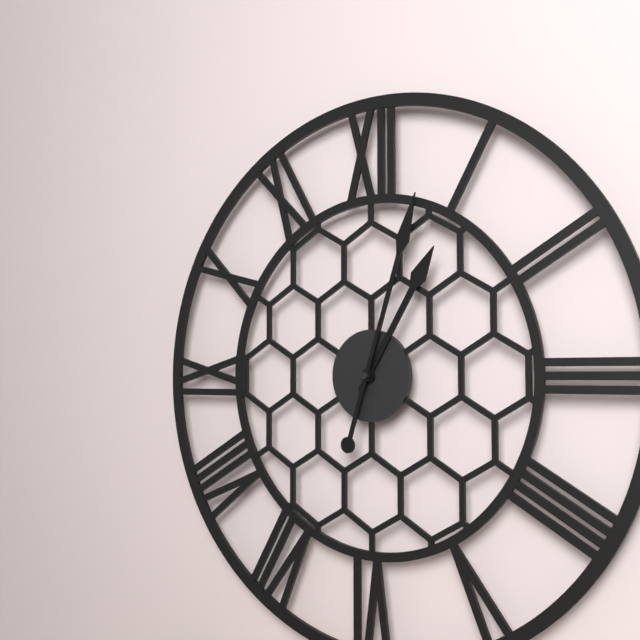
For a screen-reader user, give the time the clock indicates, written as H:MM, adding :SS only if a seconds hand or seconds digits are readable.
1:03
